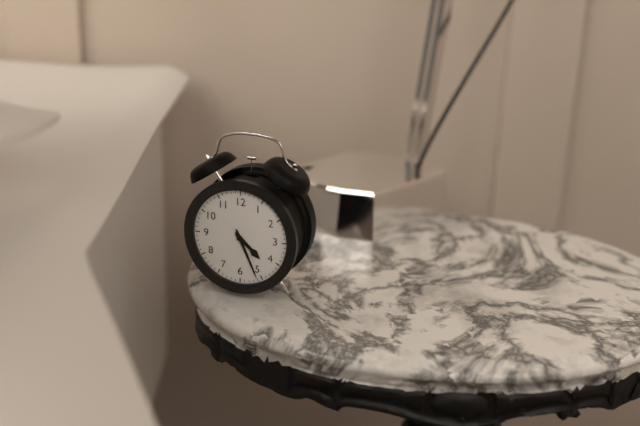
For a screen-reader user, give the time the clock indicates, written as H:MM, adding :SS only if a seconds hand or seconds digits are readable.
4:26
